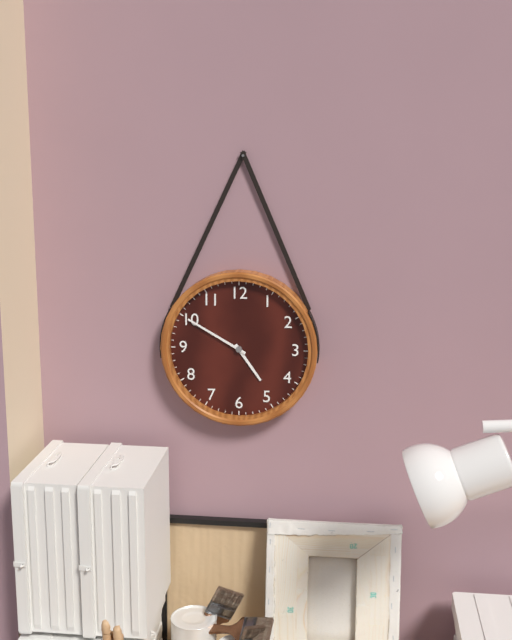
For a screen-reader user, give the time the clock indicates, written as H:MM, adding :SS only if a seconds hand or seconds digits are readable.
4:50
